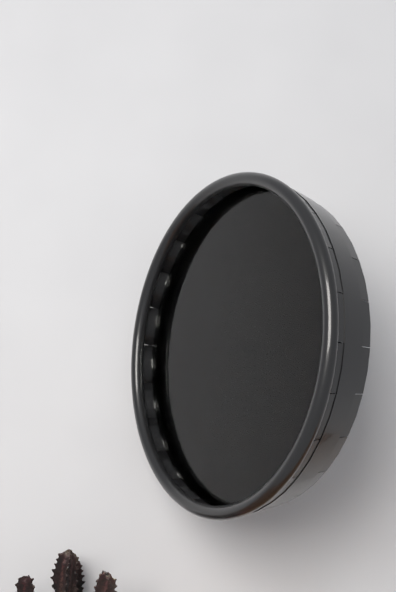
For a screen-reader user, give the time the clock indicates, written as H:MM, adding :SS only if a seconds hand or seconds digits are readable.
4:40
